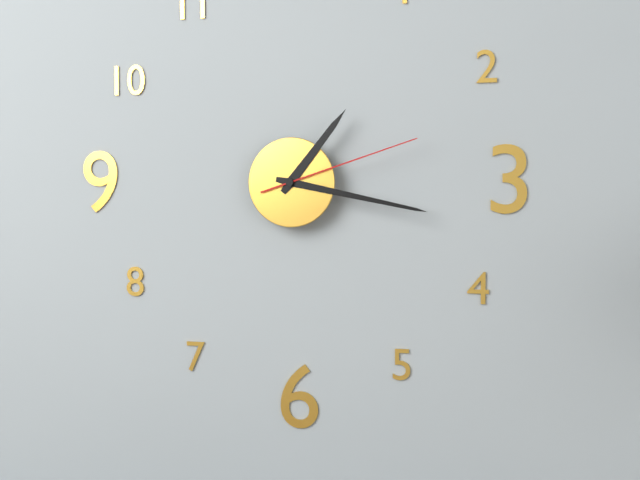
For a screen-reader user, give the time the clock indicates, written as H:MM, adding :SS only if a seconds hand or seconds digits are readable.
1:17:12
